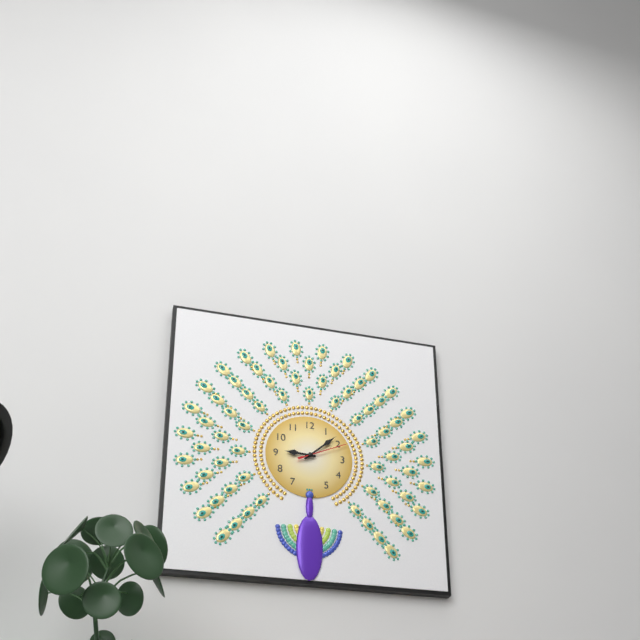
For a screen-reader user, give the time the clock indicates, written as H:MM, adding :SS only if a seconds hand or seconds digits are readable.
9:08
